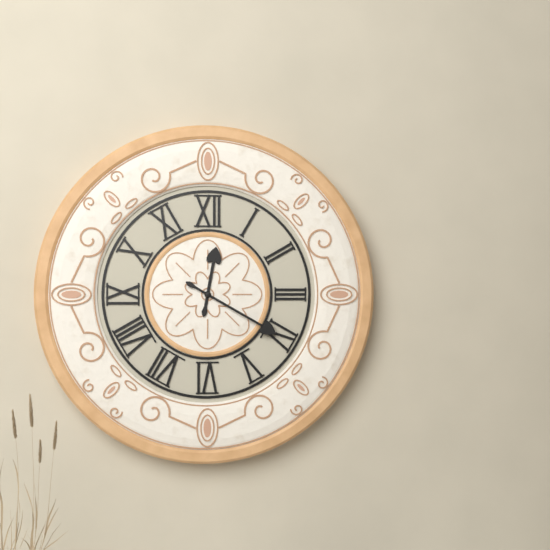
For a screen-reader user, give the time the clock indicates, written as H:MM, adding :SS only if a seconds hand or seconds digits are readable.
12:20
